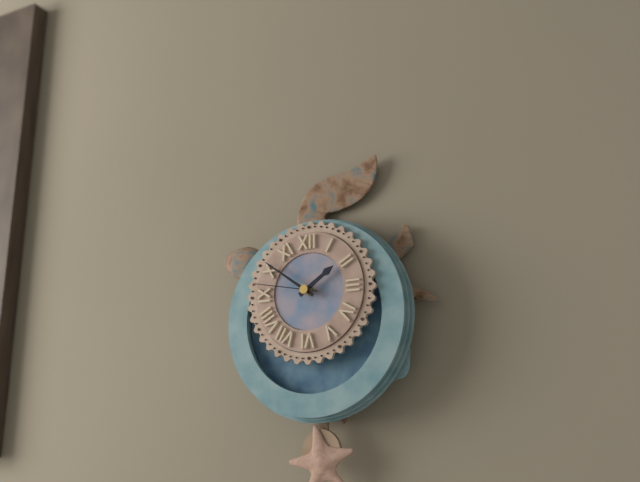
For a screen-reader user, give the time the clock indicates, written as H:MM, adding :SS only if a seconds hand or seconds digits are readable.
1:51:47
